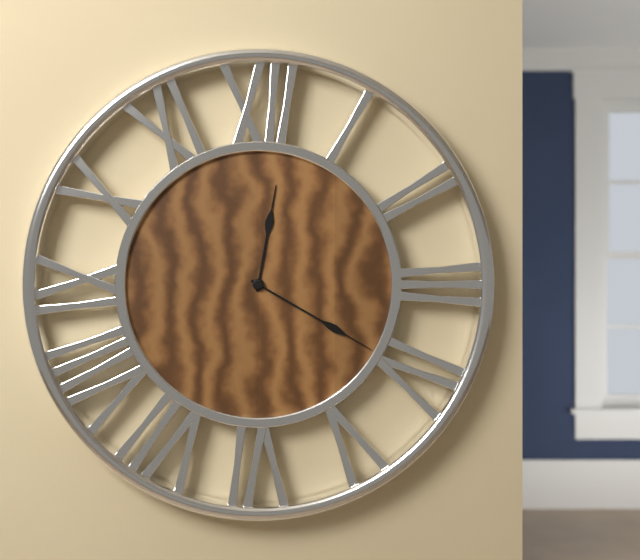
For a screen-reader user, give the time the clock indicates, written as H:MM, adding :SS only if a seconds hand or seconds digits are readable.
12:20
